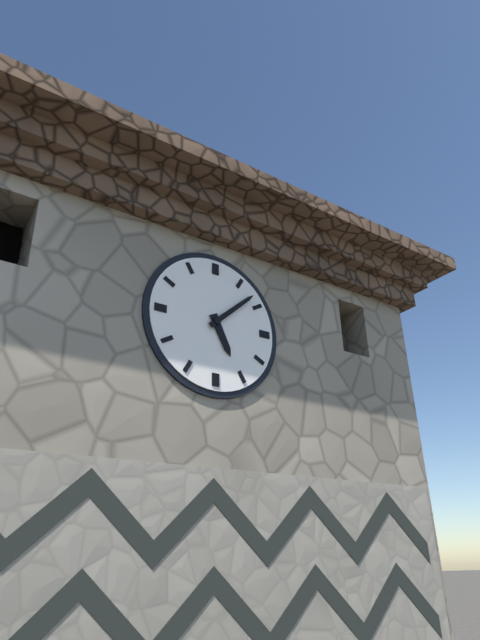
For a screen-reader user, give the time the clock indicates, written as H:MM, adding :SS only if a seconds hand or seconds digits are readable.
5:08
